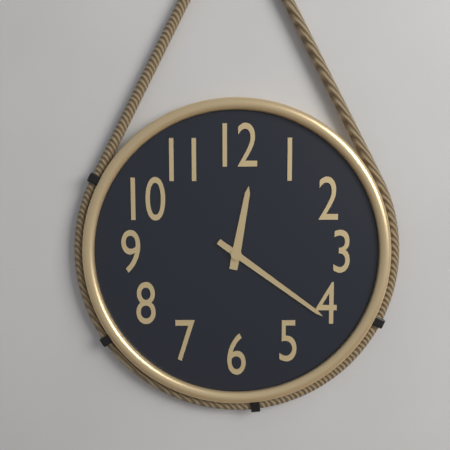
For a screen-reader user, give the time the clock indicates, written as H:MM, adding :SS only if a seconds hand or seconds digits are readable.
12:21
